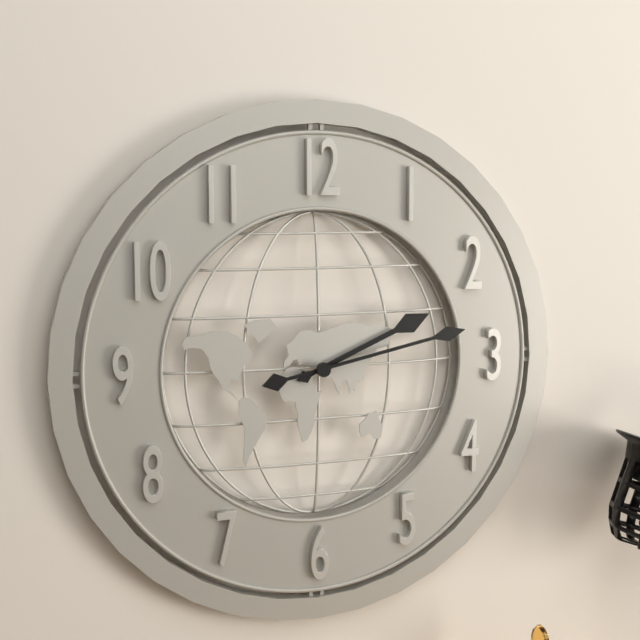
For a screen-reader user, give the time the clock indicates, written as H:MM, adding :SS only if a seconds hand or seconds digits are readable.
2:13
